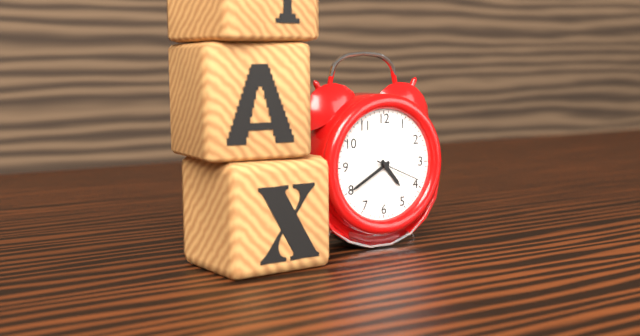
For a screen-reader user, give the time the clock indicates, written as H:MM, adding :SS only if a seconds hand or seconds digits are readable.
4:40
